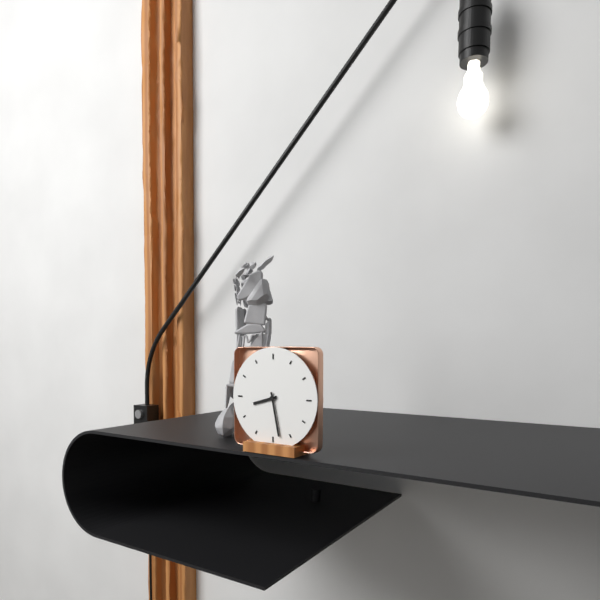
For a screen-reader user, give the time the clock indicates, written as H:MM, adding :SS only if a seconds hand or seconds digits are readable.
8:28
